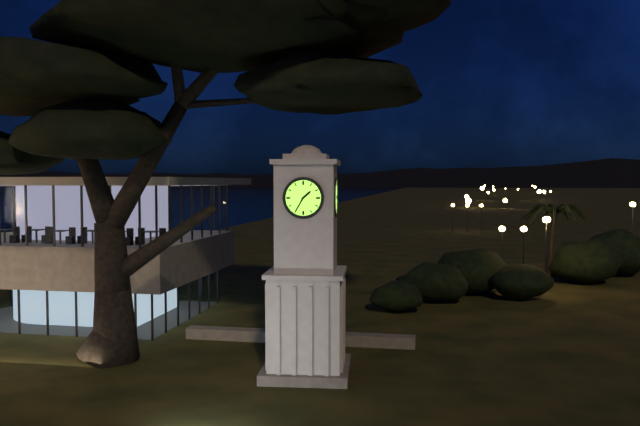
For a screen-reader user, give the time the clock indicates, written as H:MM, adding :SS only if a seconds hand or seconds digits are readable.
1:35
